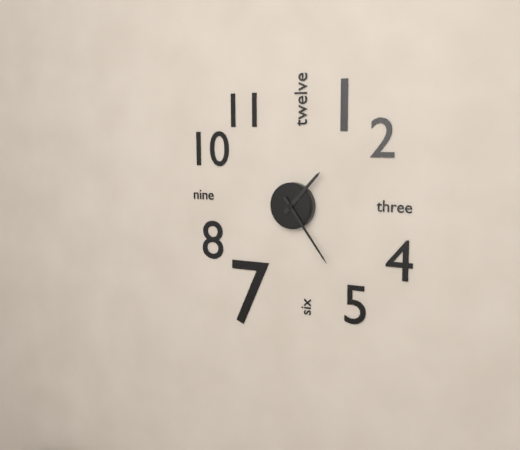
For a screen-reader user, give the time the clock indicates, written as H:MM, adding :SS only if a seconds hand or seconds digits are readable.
1:24
